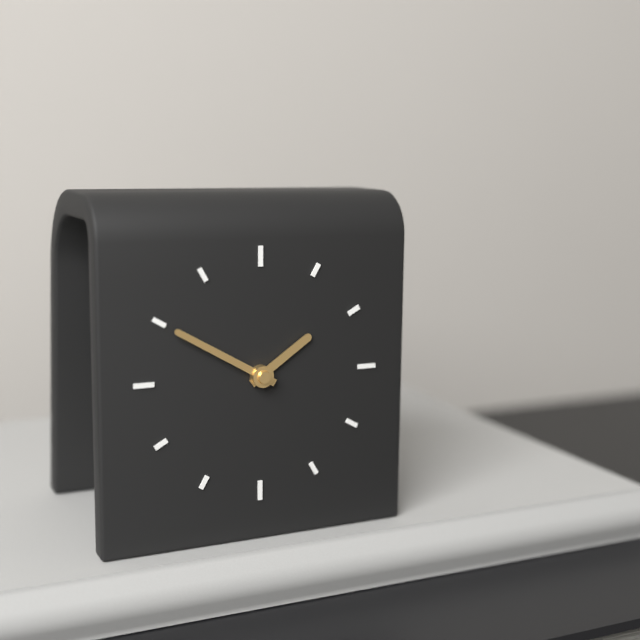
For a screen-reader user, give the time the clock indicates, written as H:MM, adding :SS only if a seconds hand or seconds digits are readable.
1:50
